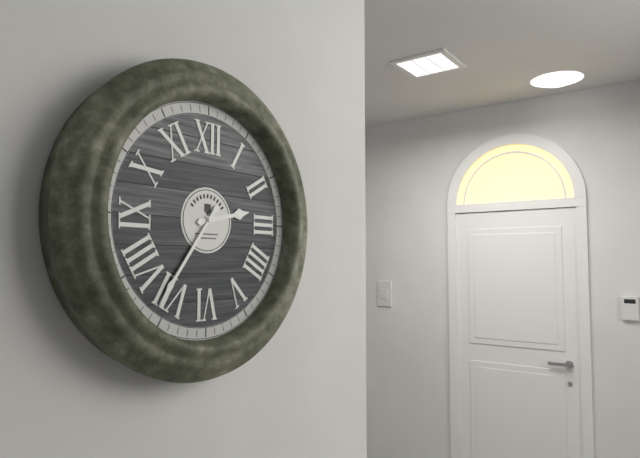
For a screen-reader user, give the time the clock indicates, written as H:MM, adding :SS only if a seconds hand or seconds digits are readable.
2:36
